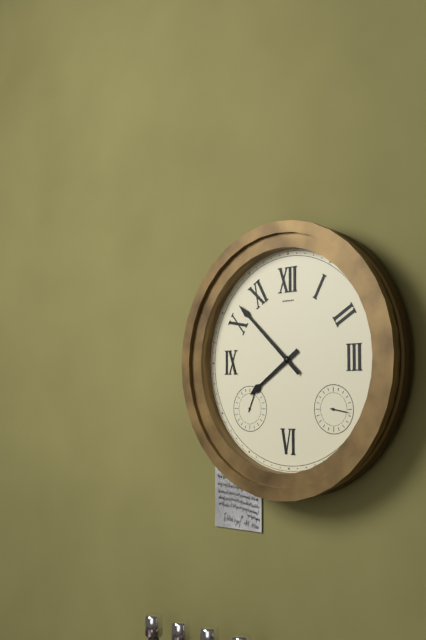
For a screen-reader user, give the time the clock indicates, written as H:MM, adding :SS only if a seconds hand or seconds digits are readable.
7:52
